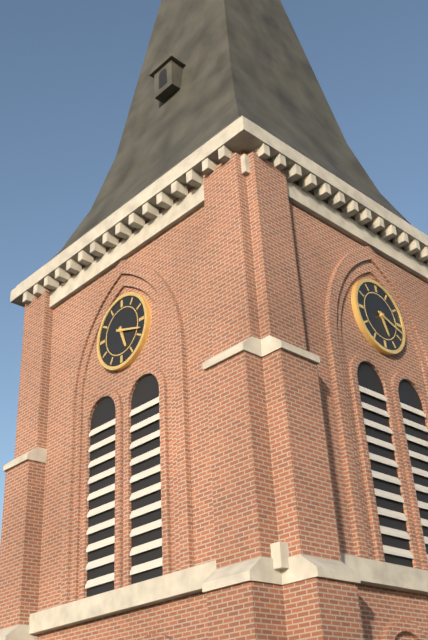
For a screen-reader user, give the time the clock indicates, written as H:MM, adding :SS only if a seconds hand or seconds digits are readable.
5:18
